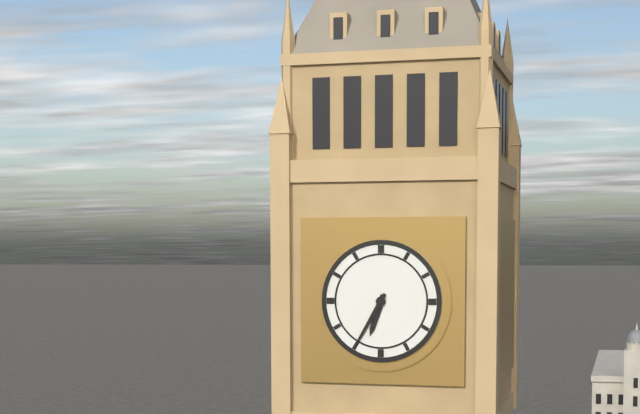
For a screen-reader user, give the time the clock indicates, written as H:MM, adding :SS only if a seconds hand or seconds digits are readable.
6:35
